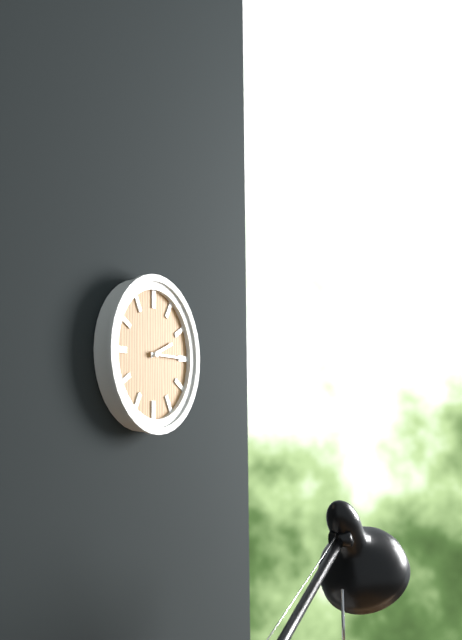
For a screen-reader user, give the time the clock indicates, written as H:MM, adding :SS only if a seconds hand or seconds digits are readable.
2:15
